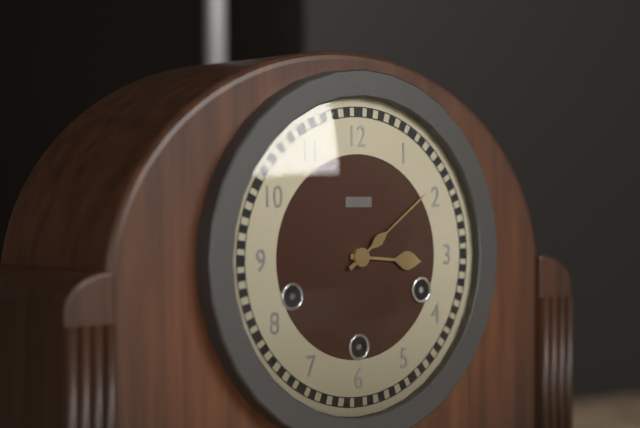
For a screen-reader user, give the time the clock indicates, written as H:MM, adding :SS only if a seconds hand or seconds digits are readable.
3:09
